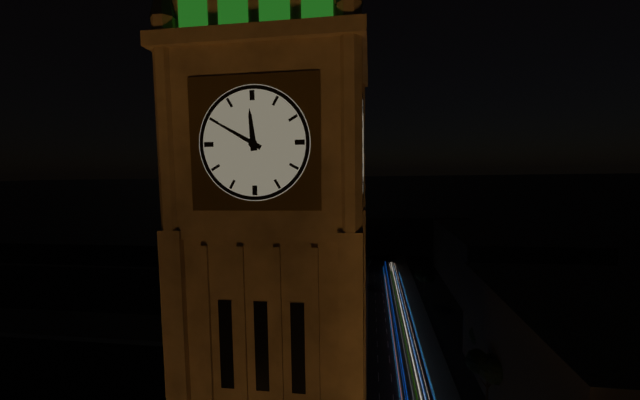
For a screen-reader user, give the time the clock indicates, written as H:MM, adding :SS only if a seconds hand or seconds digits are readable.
11:50
